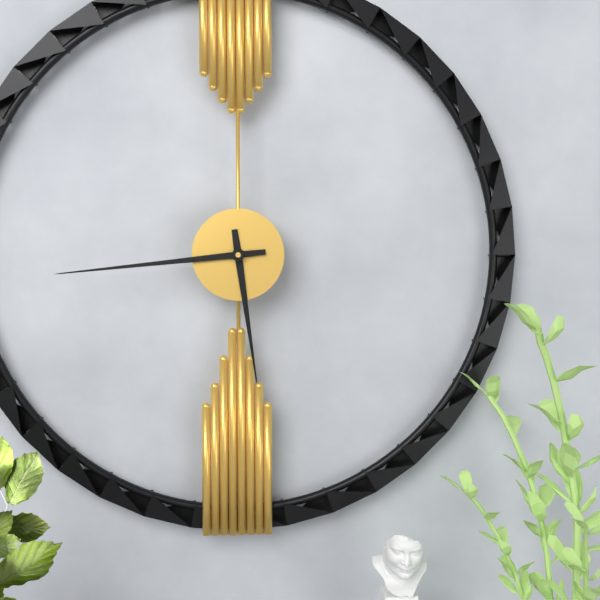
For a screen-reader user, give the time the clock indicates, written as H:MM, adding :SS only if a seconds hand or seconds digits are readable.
5:44
